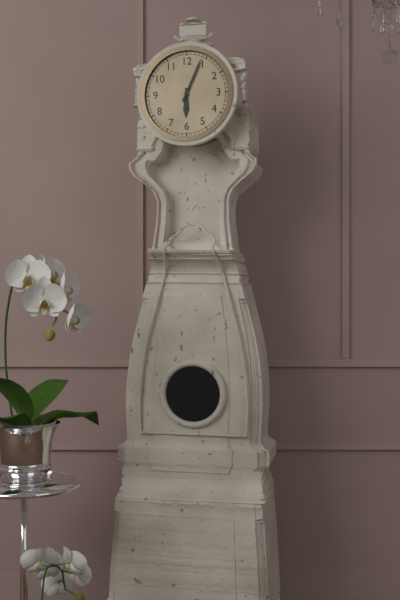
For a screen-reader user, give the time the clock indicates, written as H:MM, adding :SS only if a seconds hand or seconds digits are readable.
6:04
